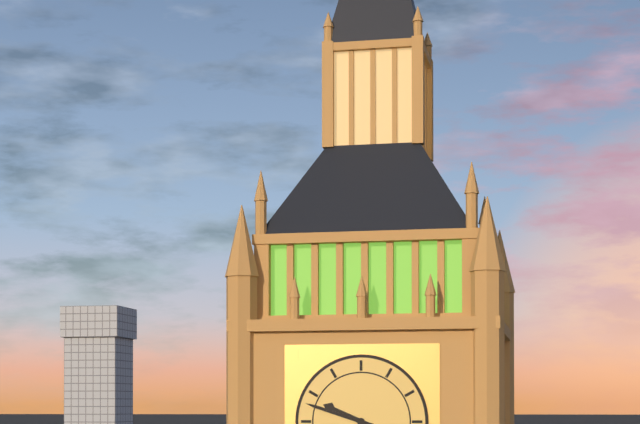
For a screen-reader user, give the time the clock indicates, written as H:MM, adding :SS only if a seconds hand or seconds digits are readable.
9:48
